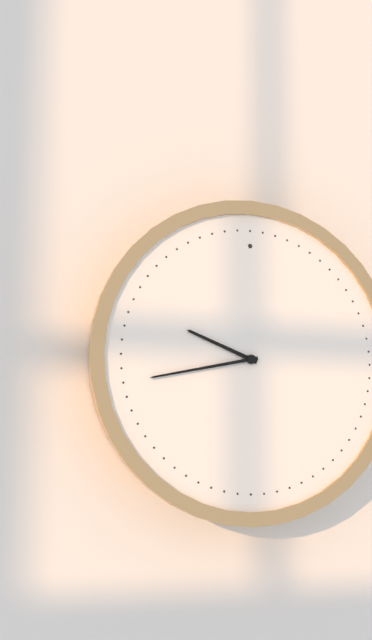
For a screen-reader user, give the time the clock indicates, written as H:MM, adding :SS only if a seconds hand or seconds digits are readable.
9:43
